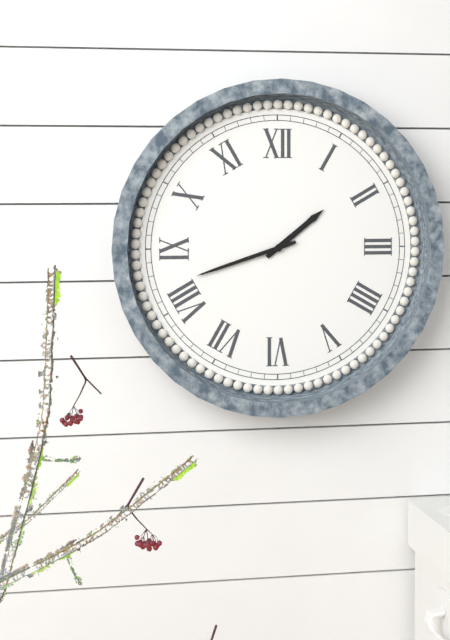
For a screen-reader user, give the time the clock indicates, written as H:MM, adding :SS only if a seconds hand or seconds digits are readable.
1:42
